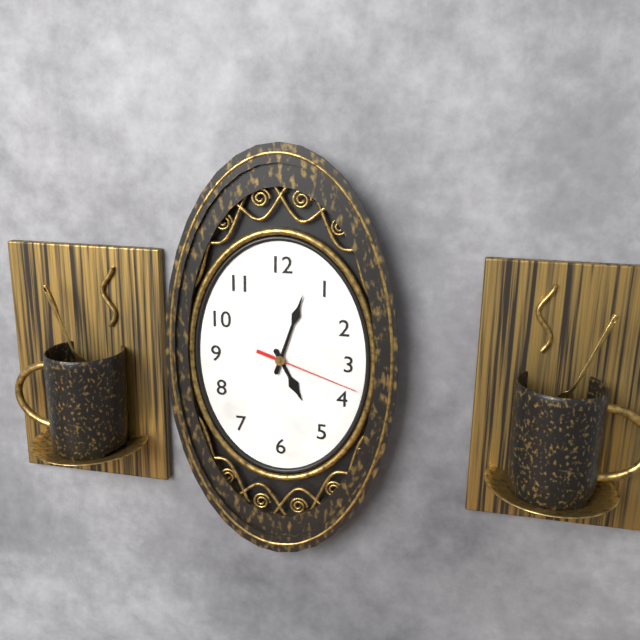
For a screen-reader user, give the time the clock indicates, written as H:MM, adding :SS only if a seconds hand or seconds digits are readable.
5:03:18
